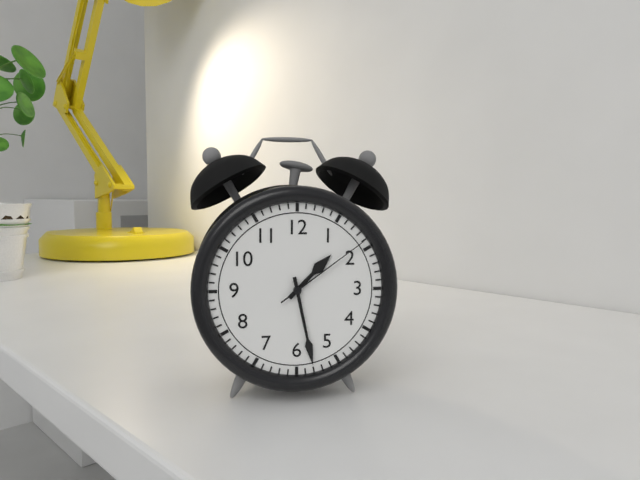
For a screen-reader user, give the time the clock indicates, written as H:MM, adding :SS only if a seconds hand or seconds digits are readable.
1:28:09
